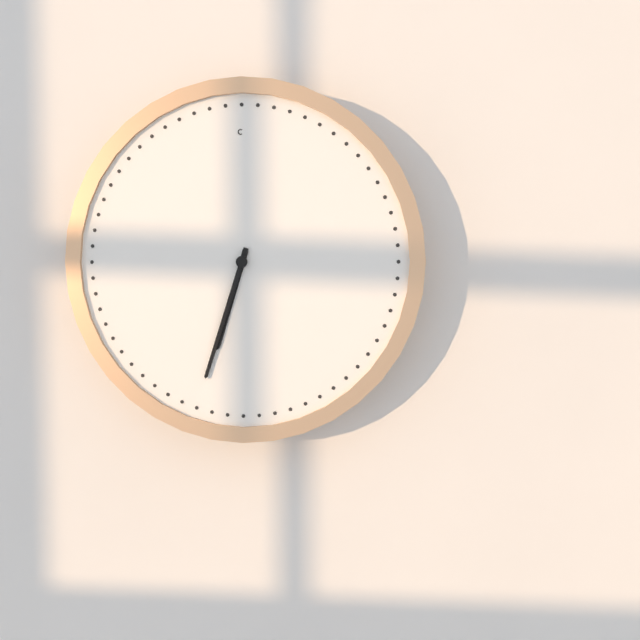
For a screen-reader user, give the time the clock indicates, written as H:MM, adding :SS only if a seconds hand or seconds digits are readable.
6:33
